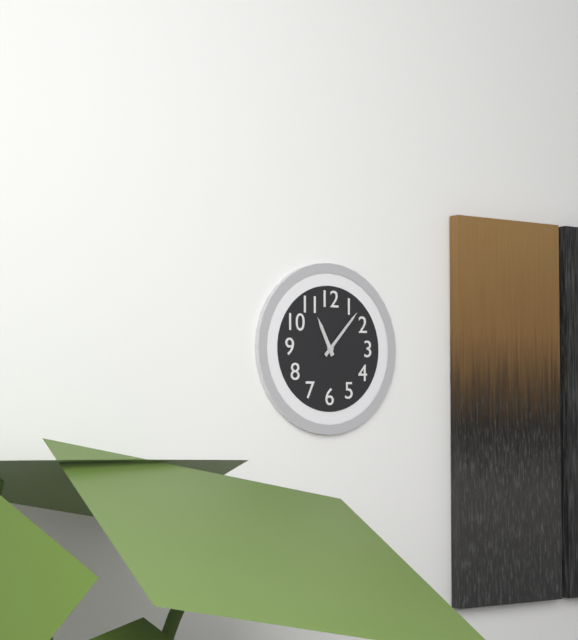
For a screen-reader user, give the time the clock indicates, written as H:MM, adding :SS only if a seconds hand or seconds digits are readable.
11:07
